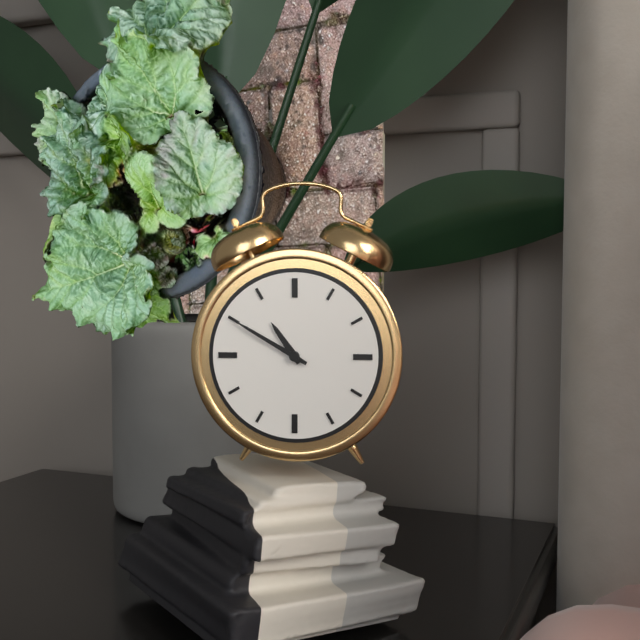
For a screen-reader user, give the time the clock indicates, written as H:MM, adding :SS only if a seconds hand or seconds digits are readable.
10:50
